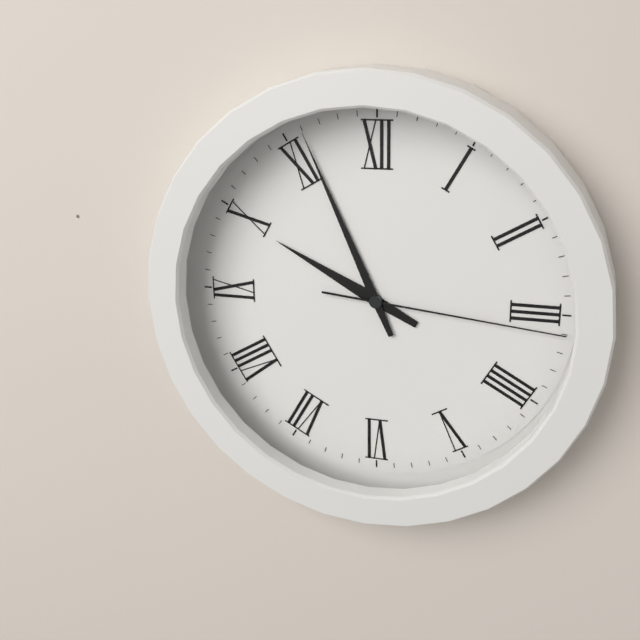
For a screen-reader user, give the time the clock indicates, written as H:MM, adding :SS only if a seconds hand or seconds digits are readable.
9:56:16
